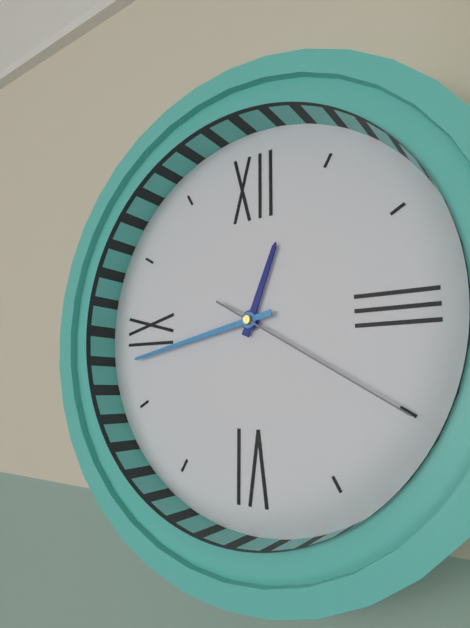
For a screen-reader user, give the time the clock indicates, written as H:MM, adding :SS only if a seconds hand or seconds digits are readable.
12:43:20
